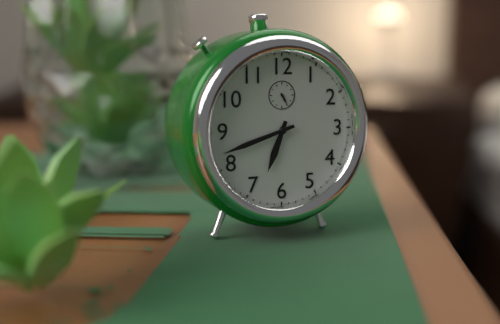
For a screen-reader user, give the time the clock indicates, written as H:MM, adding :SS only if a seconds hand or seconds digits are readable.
6:42
